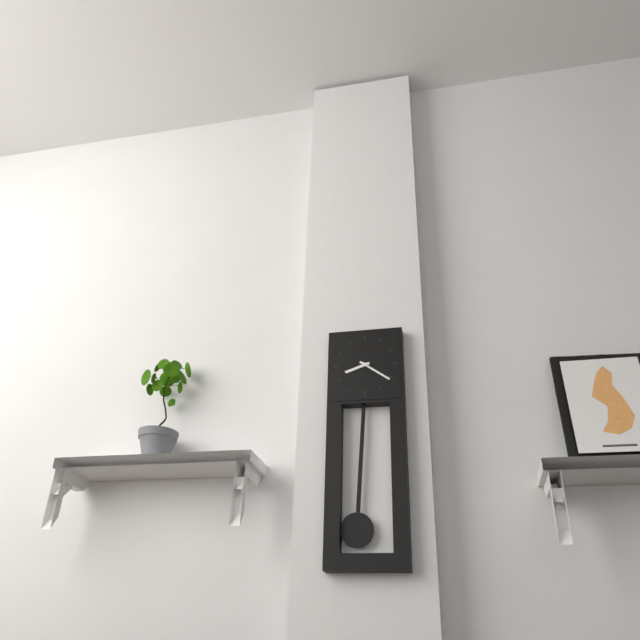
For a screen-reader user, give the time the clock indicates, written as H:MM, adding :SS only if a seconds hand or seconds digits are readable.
8:21
